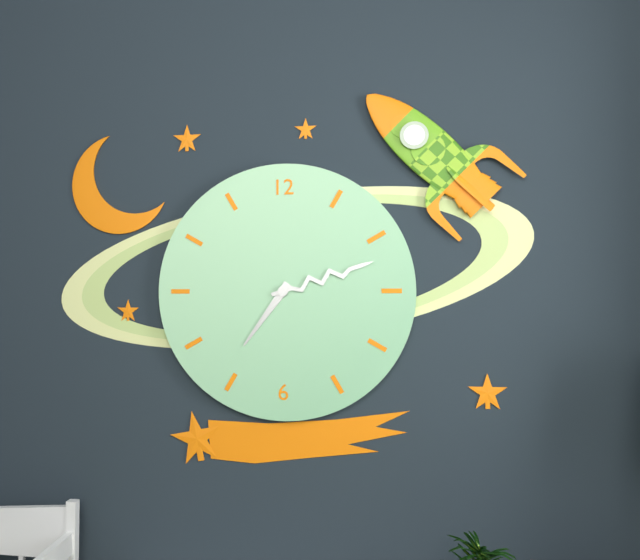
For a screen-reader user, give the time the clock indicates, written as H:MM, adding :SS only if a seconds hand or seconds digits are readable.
7:12
